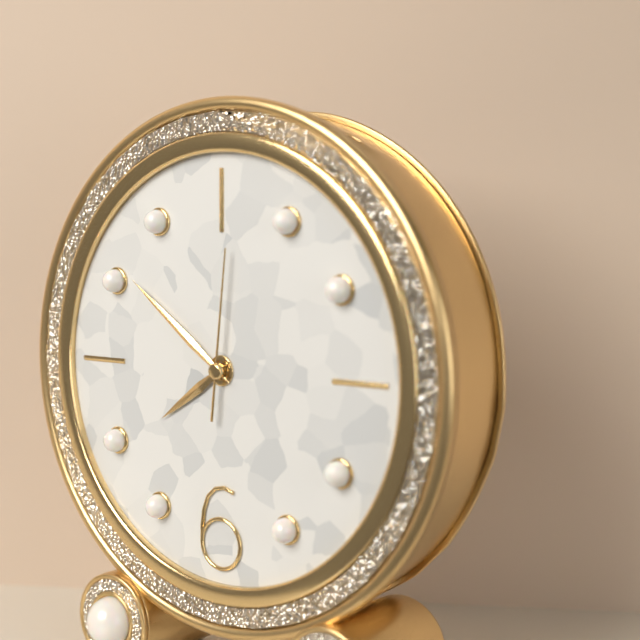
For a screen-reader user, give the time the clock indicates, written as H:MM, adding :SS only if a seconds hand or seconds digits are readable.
7:51:01
